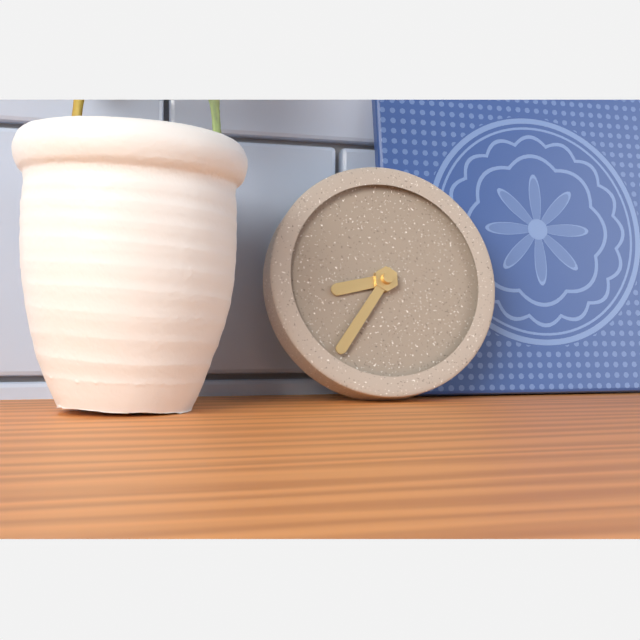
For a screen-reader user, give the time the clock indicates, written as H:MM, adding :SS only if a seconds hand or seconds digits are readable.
8:36
